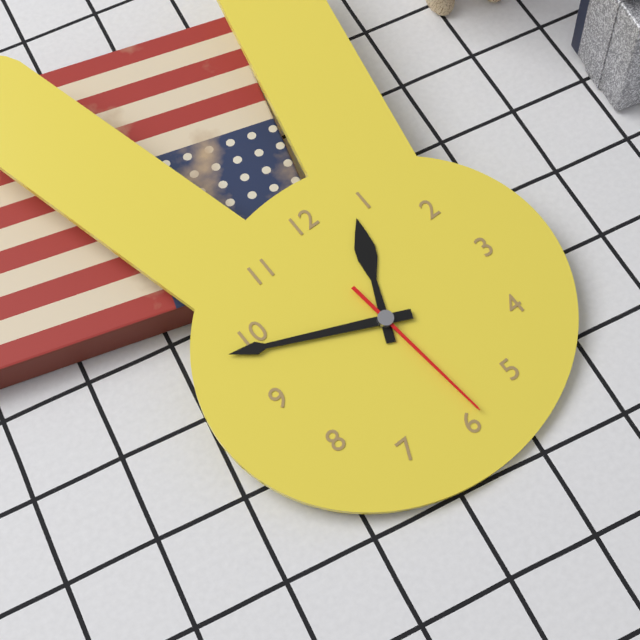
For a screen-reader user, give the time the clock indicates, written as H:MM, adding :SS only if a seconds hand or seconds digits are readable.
12:49:29
